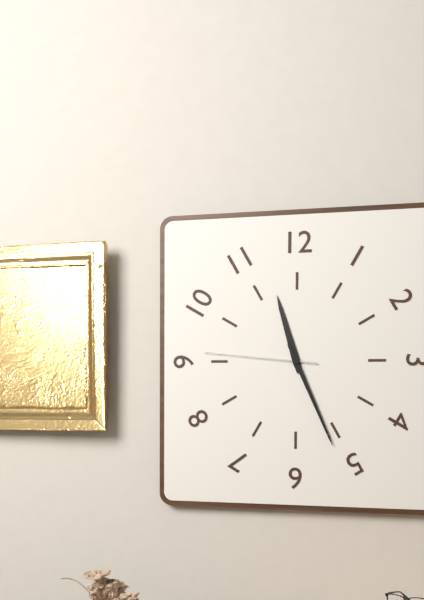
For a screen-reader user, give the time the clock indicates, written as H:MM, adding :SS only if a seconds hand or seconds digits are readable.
11:26:46
